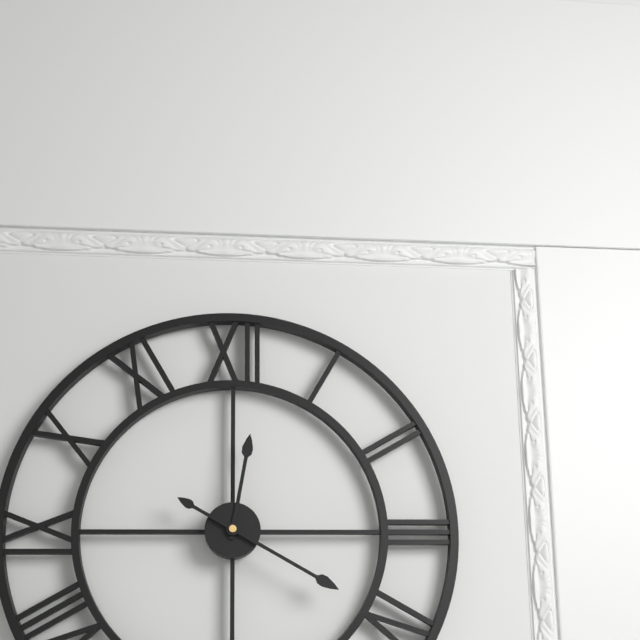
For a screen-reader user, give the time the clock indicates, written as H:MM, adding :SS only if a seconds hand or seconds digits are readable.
12:20
